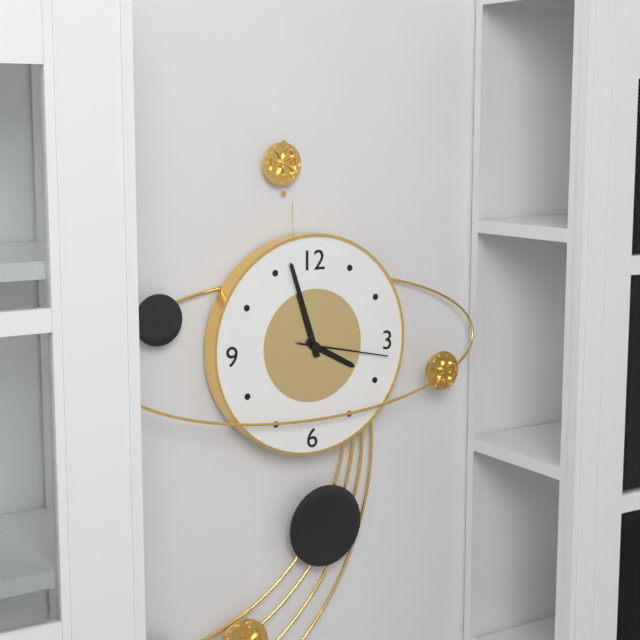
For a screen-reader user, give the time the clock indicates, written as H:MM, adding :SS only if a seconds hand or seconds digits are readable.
3:57:17
